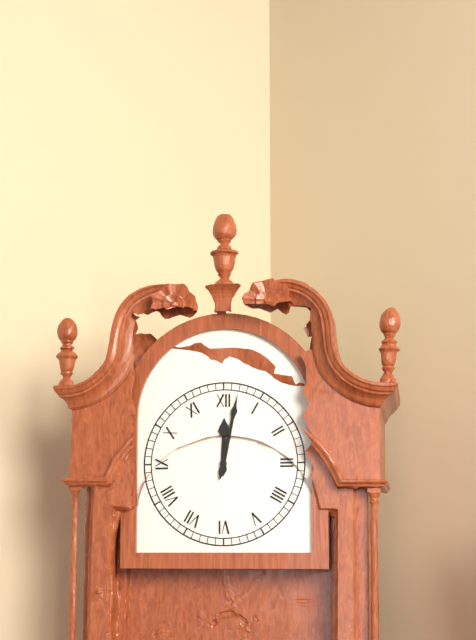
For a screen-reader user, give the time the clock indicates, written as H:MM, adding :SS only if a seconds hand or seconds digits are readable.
12:02
